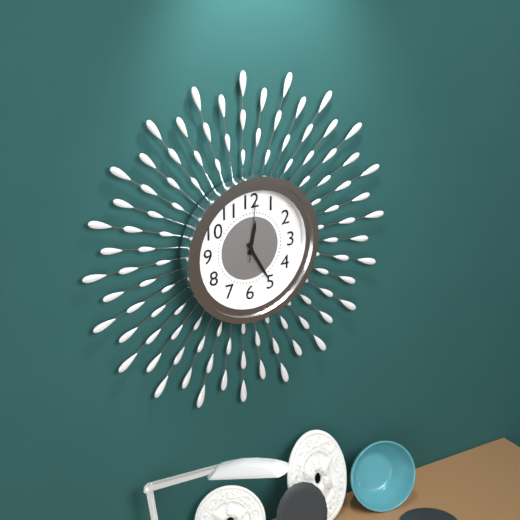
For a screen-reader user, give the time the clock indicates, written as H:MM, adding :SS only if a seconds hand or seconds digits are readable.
12:25:01
